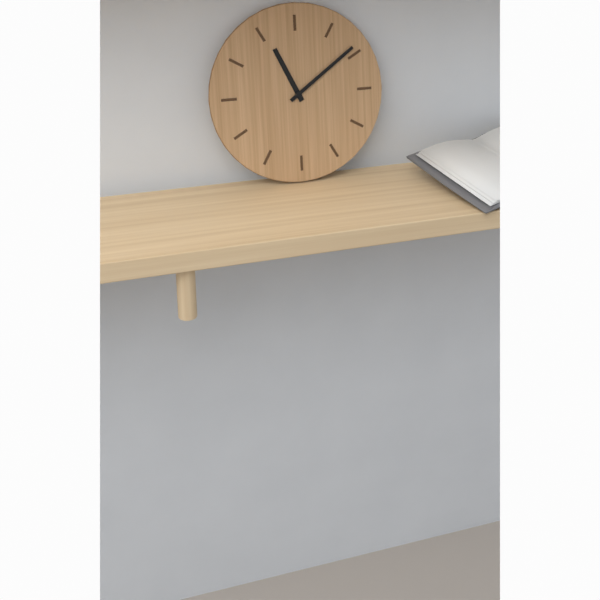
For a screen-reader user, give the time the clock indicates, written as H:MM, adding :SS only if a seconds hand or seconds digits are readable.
11:09
